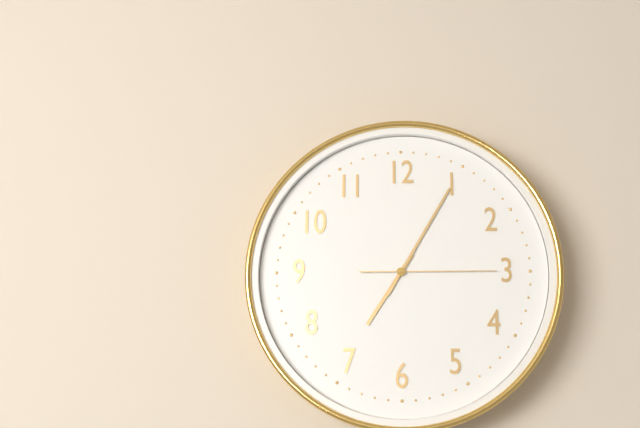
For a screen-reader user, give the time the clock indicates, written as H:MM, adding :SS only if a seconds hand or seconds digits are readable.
7:05:15
